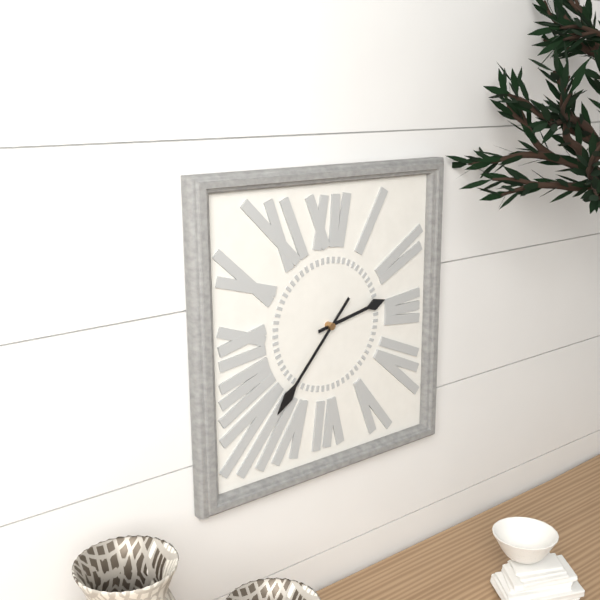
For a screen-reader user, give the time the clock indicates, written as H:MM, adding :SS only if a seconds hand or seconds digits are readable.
2:37
